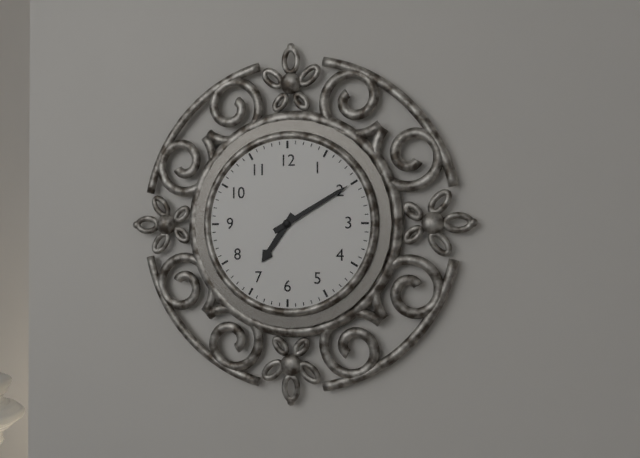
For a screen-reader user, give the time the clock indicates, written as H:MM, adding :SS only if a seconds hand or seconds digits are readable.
7:10
